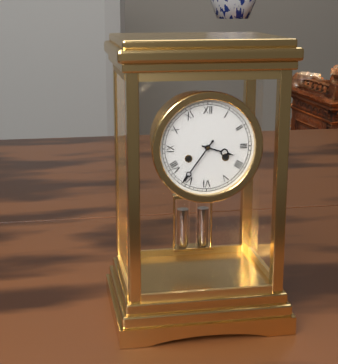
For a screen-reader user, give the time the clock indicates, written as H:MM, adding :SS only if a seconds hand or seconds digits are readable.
3:36
